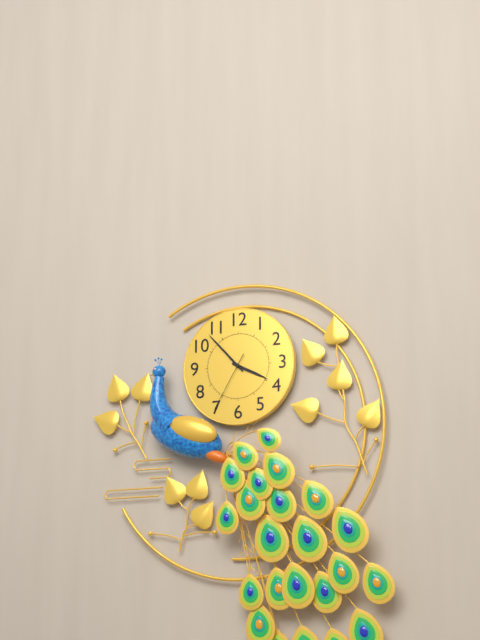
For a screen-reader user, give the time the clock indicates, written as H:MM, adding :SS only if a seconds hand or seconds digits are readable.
3:53:35
